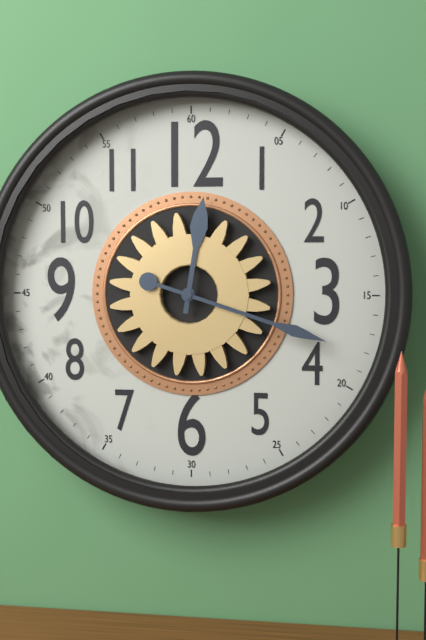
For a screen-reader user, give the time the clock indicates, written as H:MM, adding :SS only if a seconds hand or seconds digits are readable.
12:18
